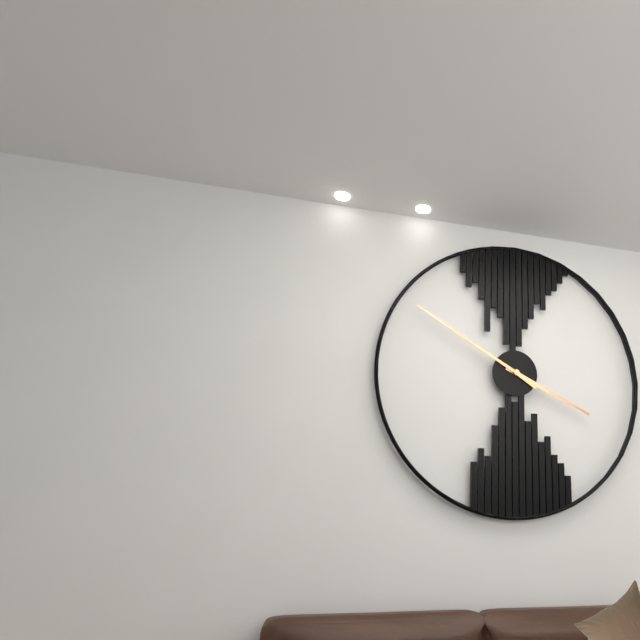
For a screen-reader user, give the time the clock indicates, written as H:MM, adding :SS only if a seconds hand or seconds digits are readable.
3:50
